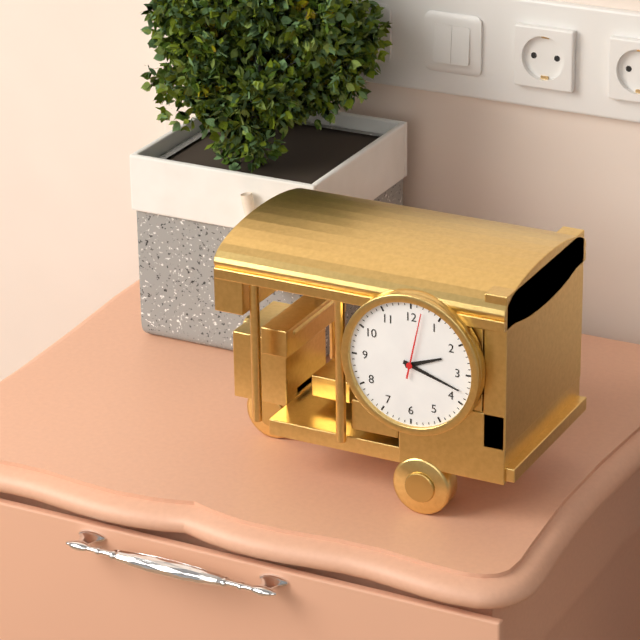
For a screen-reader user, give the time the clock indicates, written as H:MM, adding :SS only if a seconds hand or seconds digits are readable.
2:18:02
